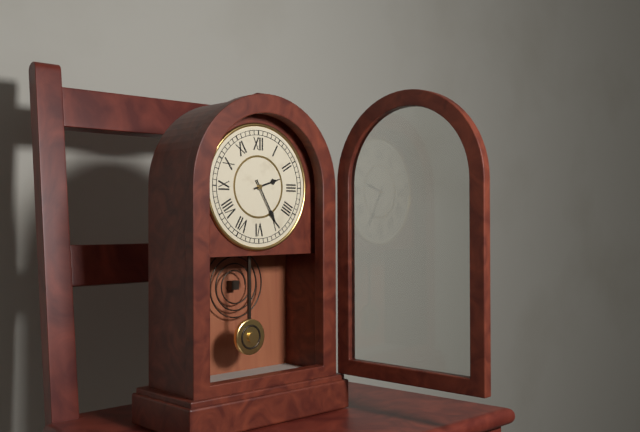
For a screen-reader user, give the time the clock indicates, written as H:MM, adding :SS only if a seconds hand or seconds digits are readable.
2:25
